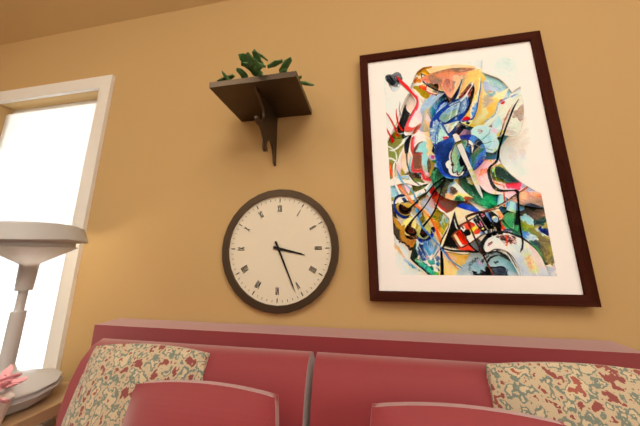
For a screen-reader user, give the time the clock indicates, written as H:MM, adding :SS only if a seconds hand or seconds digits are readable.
3:26
